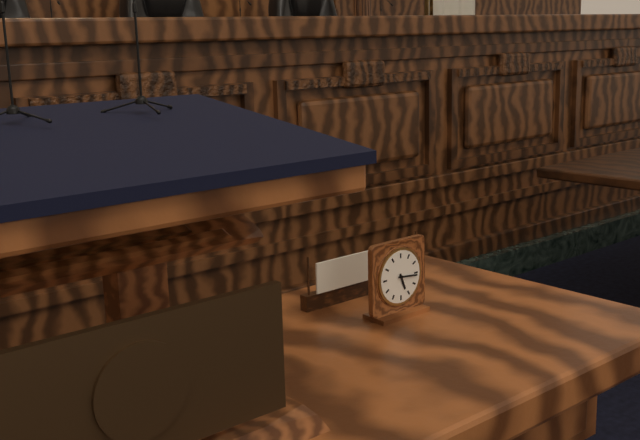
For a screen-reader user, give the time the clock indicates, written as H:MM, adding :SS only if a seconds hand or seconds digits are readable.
5:16
